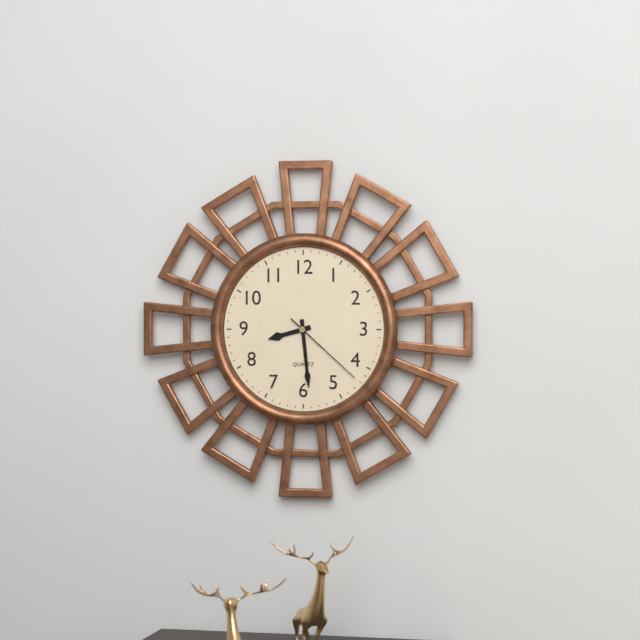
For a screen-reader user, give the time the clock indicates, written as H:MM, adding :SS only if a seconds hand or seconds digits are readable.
8:29:22
